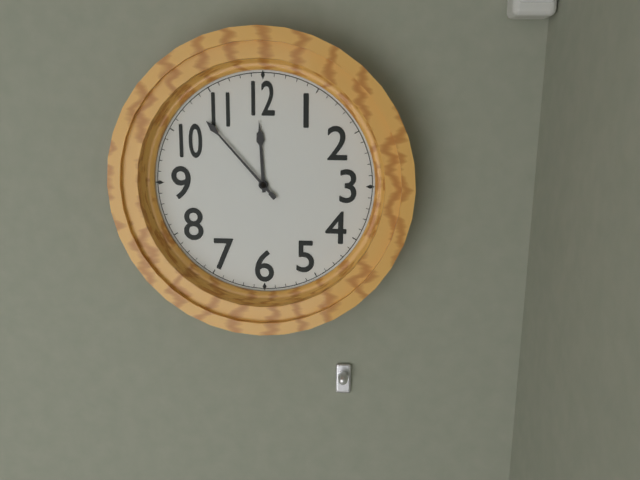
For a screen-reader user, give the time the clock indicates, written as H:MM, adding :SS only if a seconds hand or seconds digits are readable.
11:53
